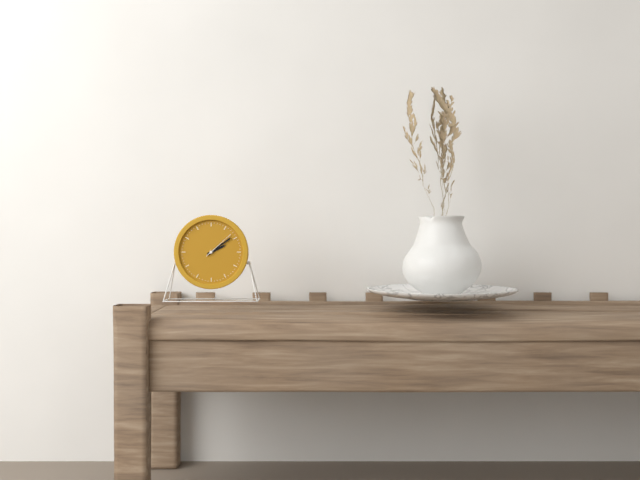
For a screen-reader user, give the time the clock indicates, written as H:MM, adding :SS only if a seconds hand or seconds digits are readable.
2:09
